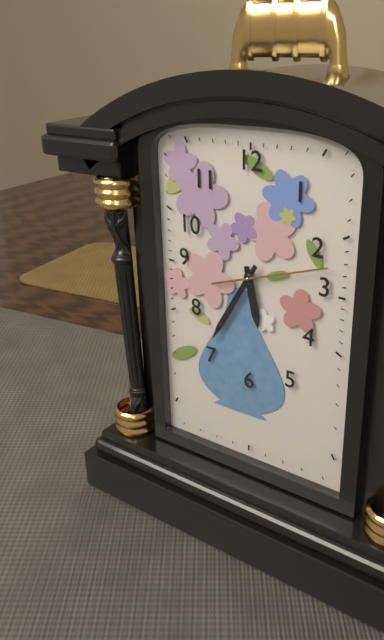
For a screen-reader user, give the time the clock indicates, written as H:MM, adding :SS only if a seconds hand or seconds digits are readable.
5:35:12
